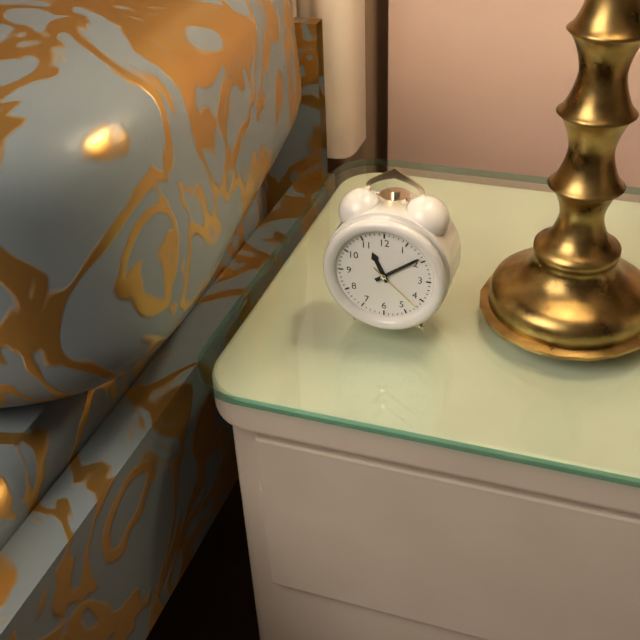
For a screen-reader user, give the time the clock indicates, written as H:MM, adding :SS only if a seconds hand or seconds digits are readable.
11:09:22
